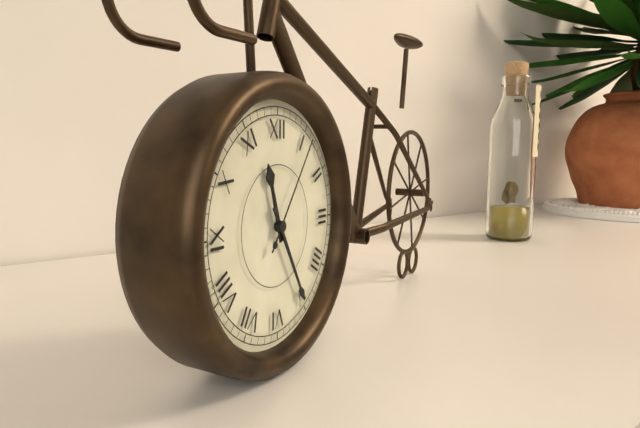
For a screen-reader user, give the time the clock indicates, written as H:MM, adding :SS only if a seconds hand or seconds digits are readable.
11:25:06
